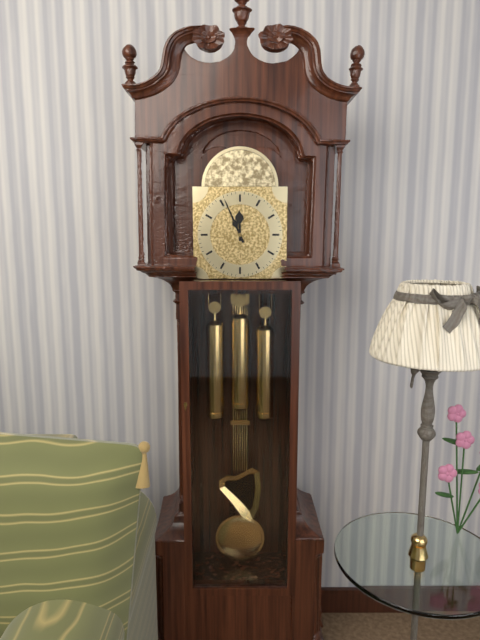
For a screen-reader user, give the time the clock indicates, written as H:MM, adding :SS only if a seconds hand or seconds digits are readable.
11:56
